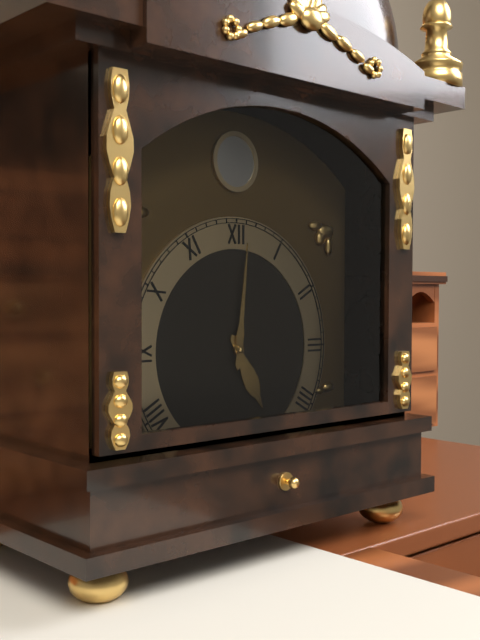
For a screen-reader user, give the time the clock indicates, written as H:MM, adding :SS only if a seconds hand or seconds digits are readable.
5:01
